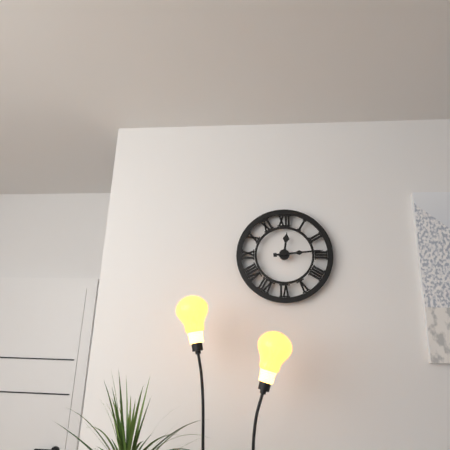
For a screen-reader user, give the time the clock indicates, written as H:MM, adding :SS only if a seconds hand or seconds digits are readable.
12:14
